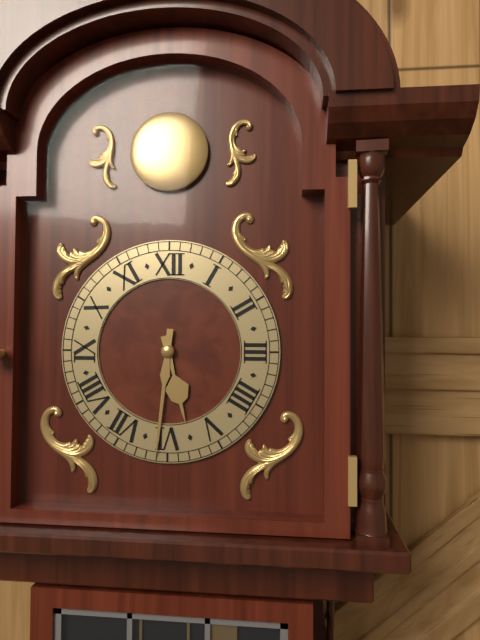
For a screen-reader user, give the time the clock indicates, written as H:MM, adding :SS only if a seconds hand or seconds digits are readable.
5:31
